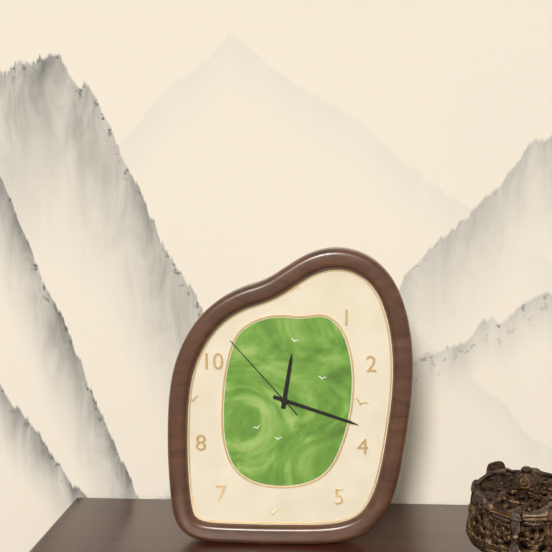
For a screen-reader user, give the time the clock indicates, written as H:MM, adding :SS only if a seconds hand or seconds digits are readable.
12:18:53
